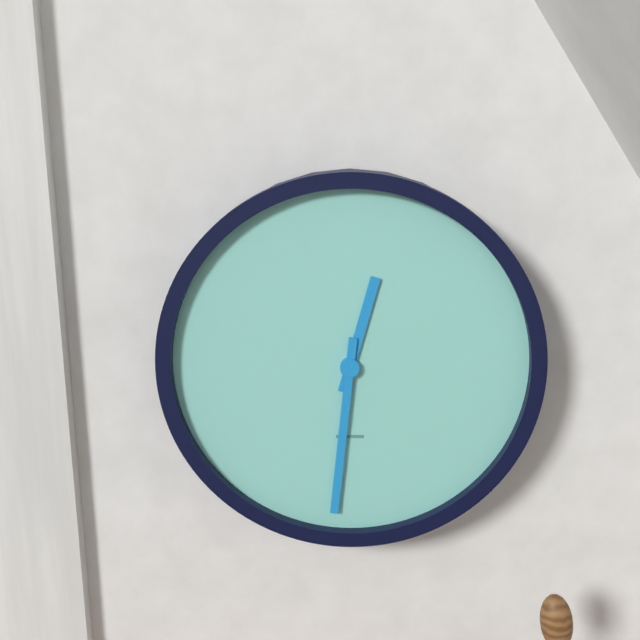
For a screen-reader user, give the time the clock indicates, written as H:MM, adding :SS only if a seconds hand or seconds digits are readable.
12:31
